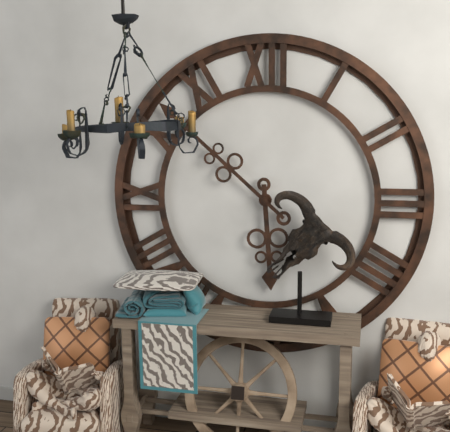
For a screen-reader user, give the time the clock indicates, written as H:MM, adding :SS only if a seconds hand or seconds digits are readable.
5:52
